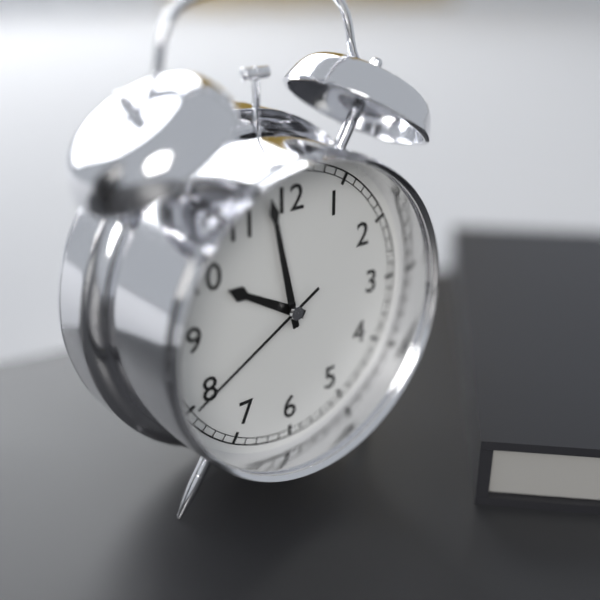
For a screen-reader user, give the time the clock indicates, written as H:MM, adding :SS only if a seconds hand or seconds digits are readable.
9:58:40
